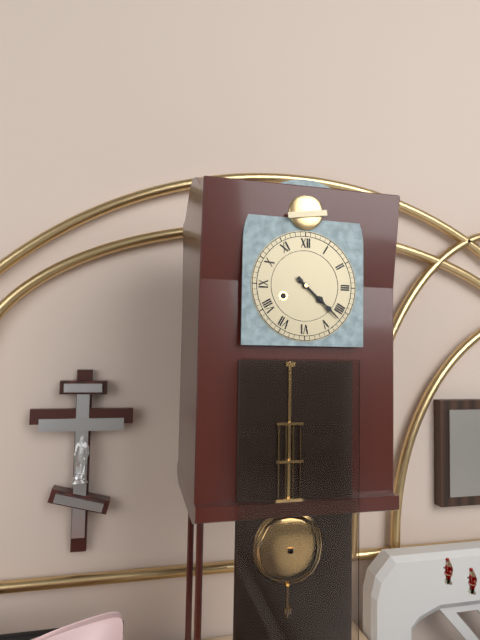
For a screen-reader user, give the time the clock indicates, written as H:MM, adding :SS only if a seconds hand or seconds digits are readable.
4:22
